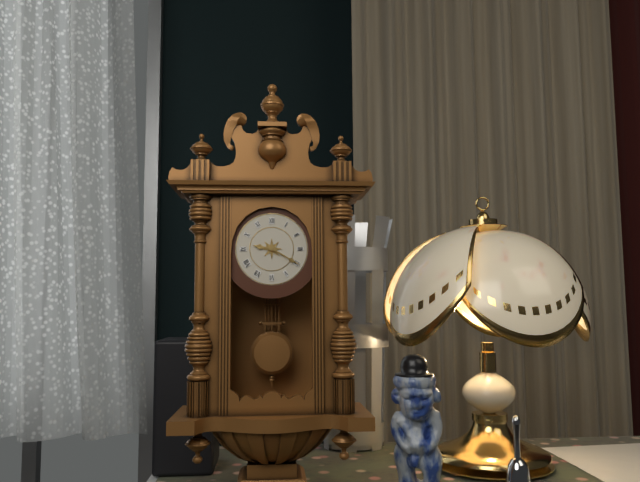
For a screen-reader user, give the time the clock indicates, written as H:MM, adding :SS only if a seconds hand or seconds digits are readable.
9:20
